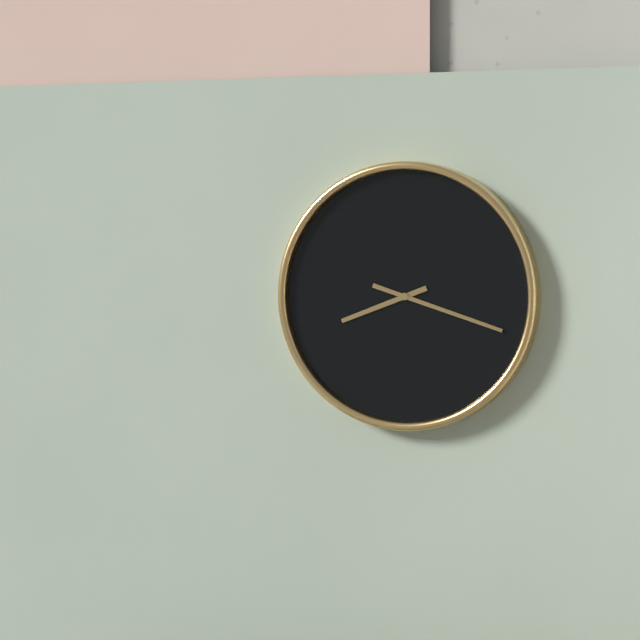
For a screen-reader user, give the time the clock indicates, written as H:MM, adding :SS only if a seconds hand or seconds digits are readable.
8:18
